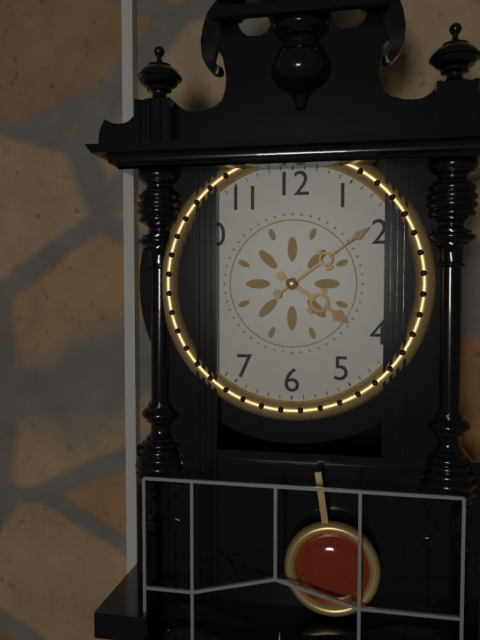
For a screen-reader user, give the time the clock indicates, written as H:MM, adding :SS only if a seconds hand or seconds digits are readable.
4:09
